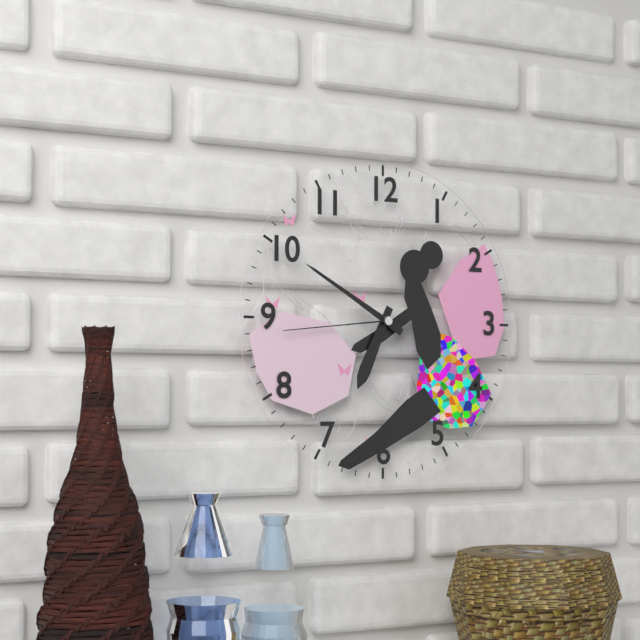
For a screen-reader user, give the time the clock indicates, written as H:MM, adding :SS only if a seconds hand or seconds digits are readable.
6:50:44
